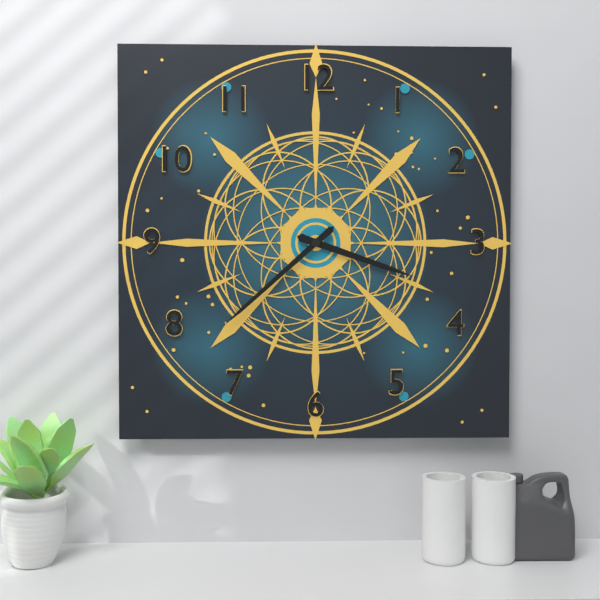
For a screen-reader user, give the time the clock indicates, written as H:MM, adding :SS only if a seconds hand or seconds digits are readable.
3:38
